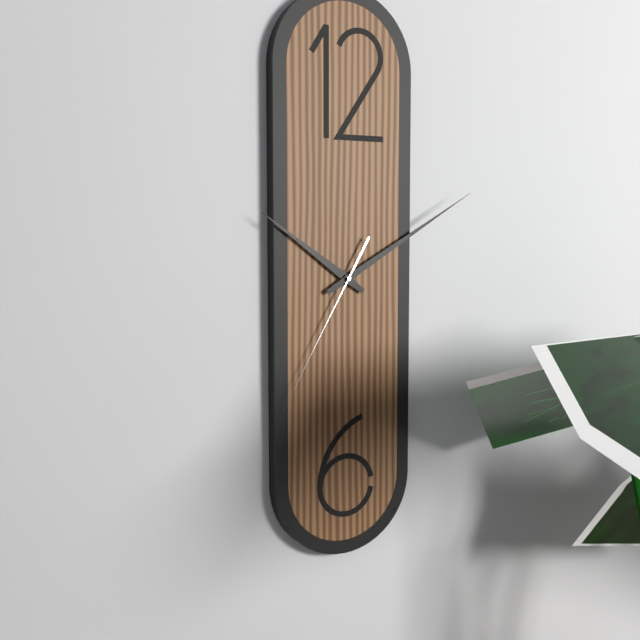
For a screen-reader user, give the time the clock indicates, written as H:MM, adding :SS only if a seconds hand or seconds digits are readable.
10:10:35
